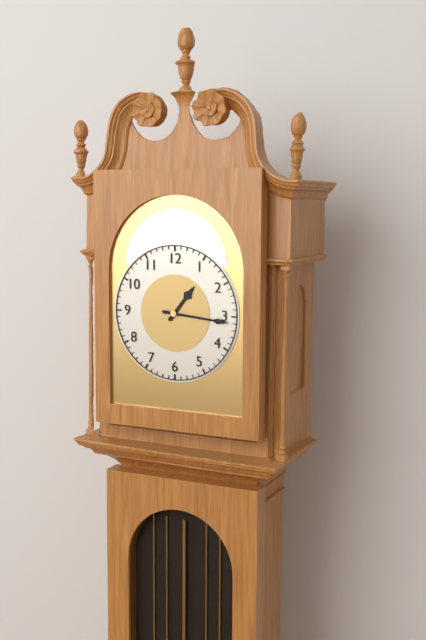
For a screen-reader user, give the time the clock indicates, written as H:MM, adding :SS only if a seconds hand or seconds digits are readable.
1:16
